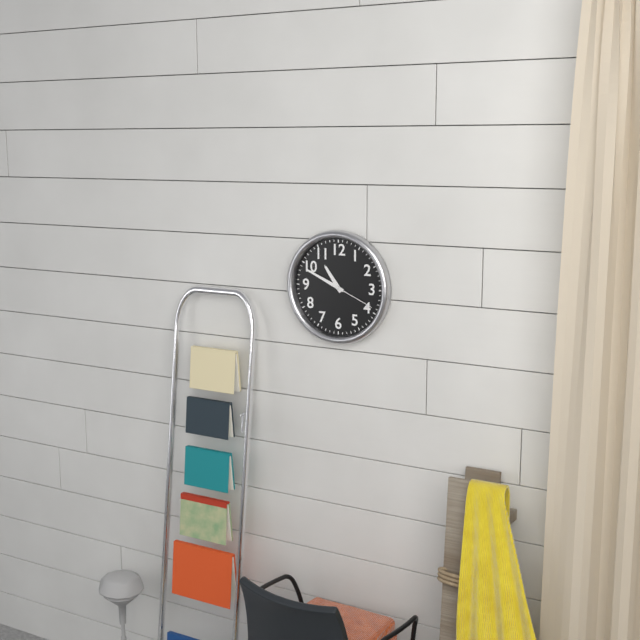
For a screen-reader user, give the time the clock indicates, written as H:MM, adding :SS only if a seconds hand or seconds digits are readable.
10:49
